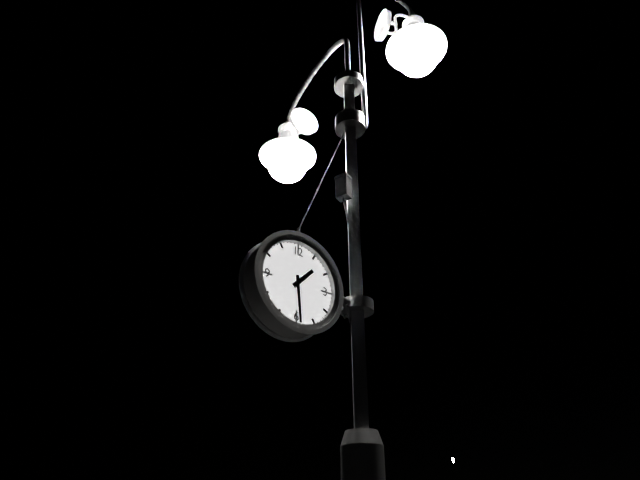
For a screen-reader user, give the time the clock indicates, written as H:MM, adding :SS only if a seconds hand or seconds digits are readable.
1:29
